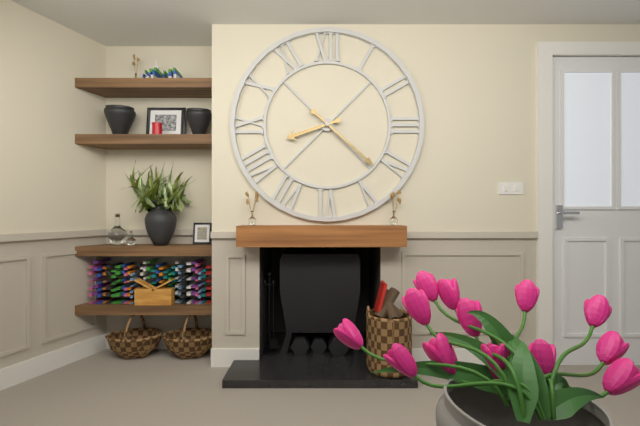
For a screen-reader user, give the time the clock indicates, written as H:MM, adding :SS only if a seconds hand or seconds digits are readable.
8:22
